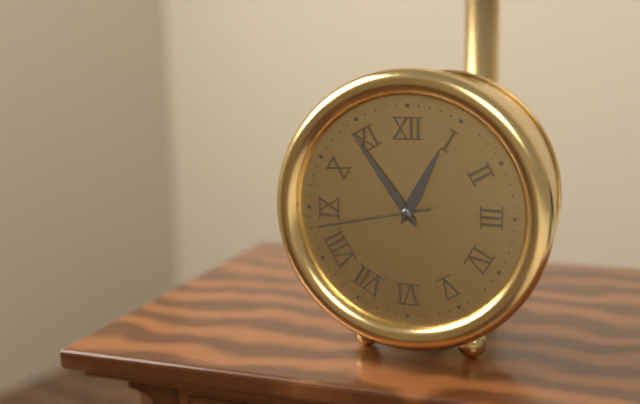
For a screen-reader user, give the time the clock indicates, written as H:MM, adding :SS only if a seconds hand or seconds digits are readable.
12:54:43
